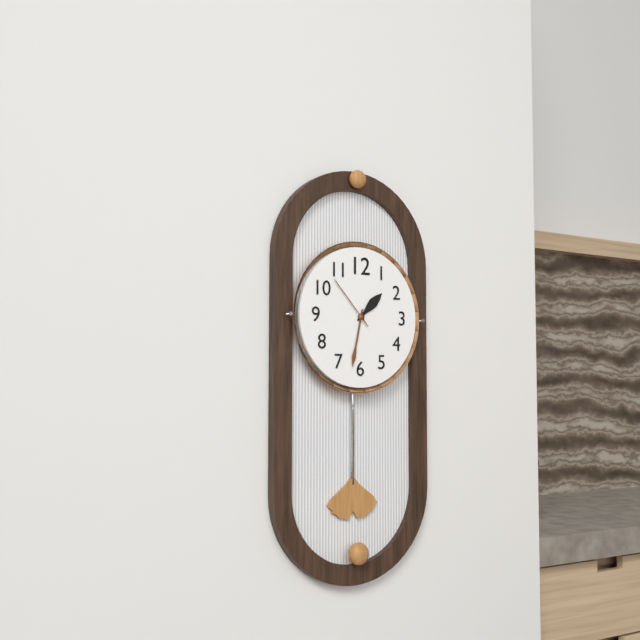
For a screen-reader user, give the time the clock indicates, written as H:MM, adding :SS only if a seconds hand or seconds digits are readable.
1:32:53
